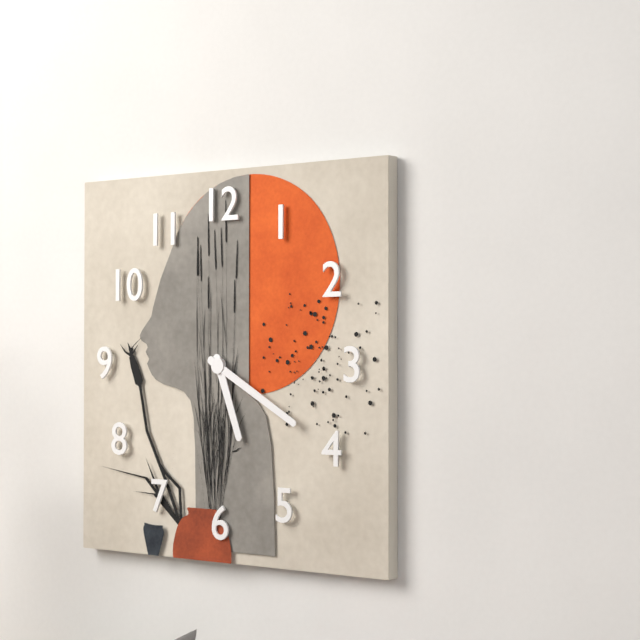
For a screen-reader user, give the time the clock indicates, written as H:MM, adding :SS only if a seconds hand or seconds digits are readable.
5:20
